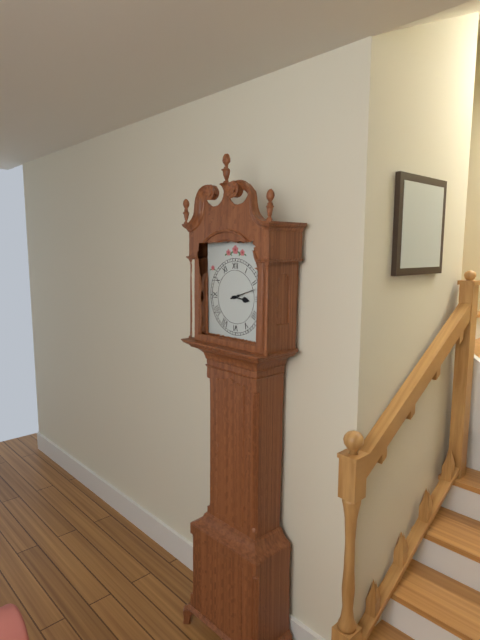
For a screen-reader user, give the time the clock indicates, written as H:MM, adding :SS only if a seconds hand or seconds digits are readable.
3:12
